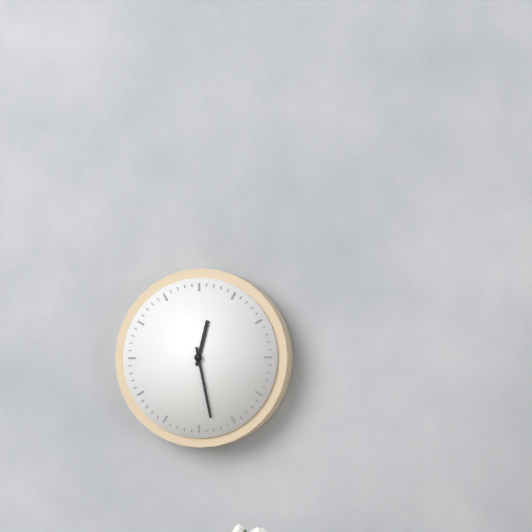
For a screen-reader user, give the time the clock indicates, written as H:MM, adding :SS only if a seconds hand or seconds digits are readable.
12:28
